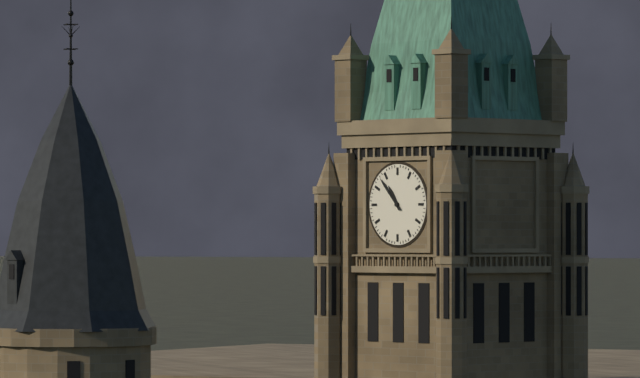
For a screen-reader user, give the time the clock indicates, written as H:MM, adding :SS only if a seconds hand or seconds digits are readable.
10:53
